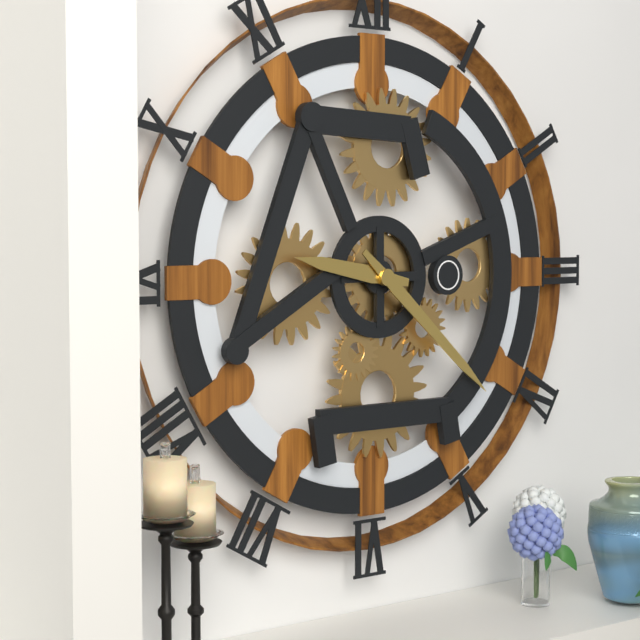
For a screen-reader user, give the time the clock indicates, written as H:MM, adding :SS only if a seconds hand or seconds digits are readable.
9:22
